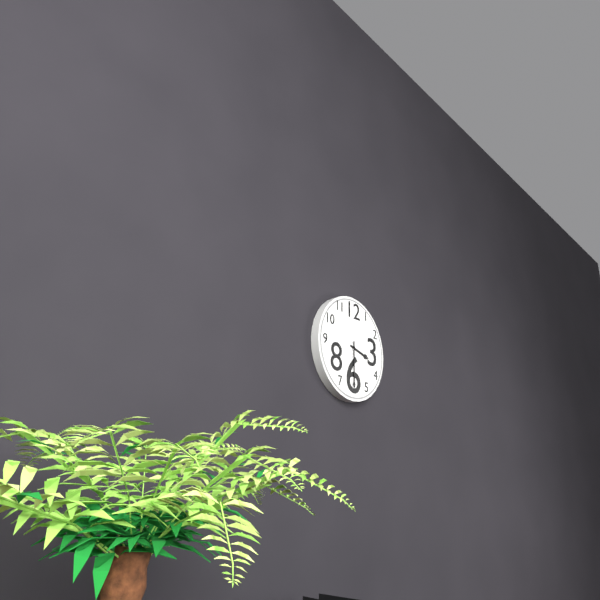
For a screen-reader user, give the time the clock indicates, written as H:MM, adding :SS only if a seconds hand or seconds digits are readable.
3:30
